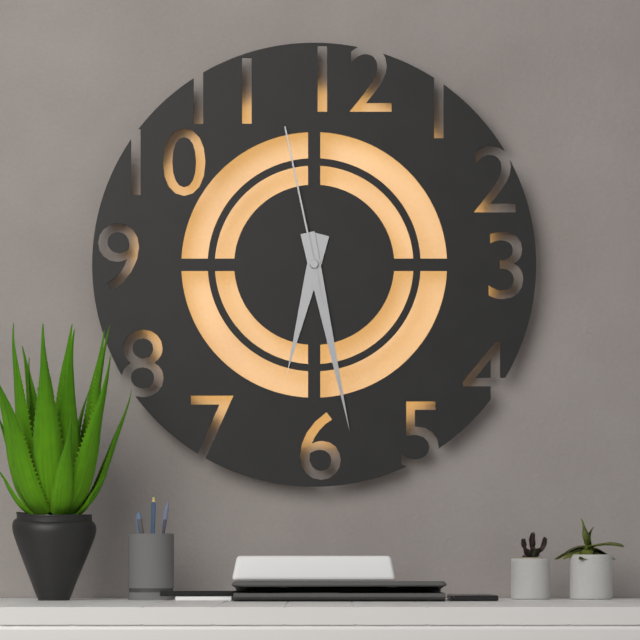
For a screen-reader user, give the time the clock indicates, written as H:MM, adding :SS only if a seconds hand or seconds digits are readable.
6:28:58
